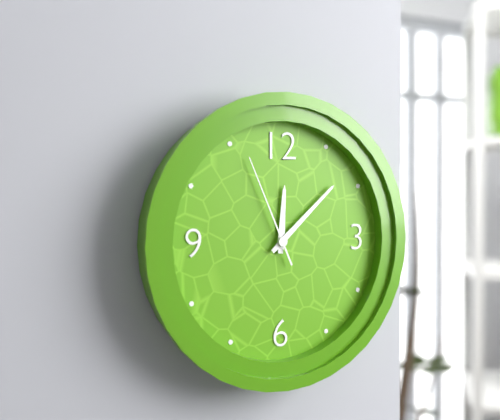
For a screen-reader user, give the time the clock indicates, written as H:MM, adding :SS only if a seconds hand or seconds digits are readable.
12:08:56
